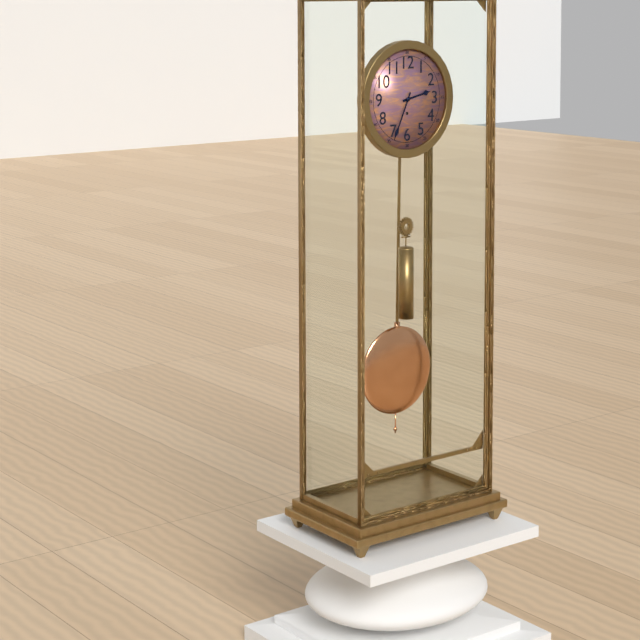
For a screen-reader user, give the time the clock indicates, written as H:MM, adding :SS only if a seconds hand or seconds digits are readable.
2:34
